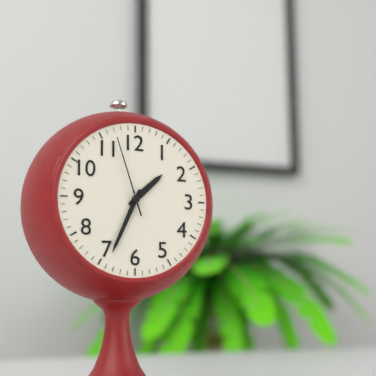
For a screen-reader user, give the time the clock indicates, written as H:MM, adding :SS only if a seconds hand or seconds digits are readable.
1:34:57
